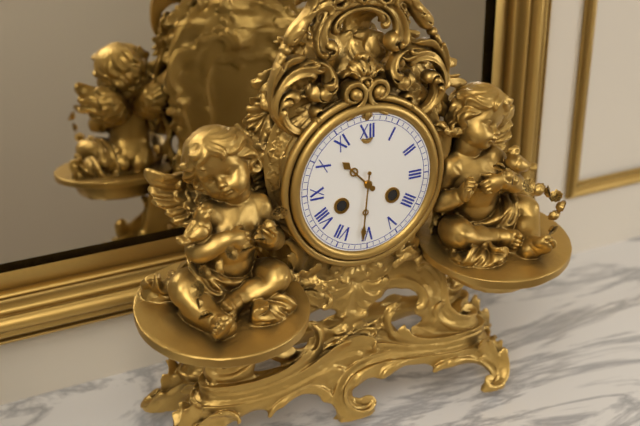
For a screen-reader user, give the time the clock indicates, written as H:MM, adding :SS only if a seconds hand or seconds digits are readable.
10:31
